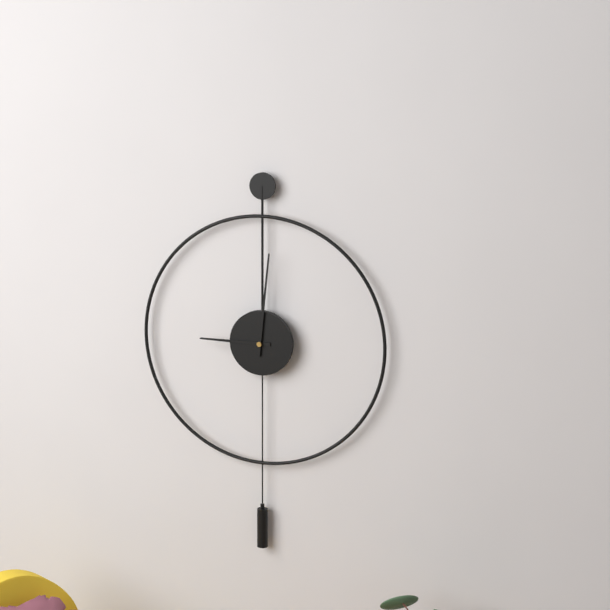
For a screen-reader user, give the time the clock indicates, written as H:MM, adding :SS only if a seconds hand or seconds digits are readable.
9:01
